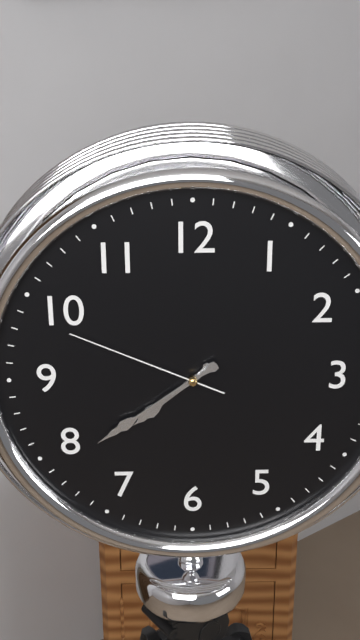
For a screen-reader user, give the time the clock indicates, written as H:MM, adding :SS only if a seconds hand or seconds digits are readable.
7:39:49
